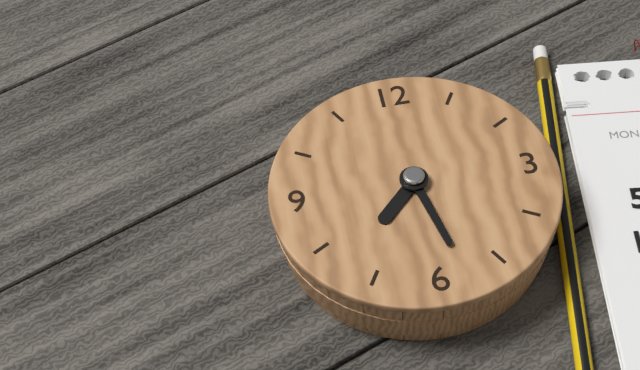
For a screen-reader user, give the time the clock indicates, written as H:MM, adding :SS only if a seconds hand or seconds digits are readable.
7:28
